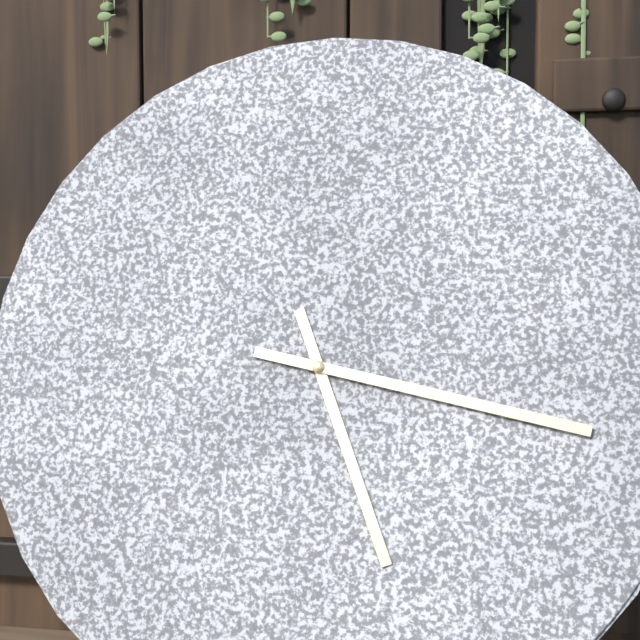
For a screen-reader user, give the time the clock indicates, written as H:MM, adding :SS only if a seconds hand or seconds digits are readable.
5:17
